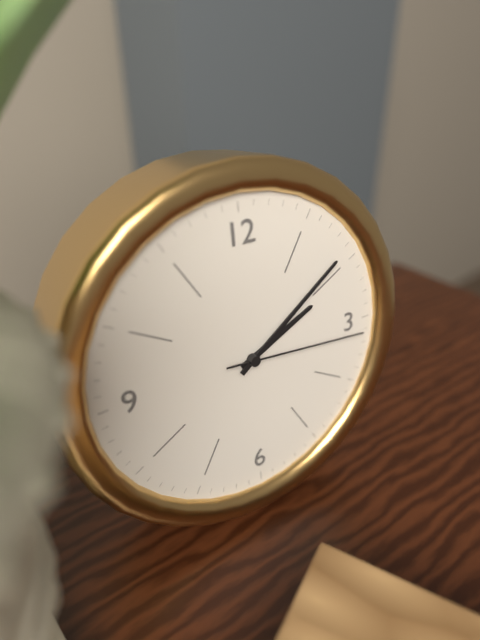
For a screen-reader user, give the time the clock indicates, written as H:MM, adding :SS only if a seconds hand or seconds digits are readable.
2:09:16
